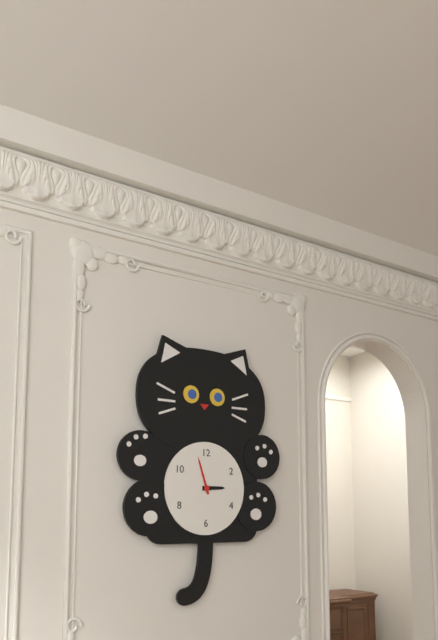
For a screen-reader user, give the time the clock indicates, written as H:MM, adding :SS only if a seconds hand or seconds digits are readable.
2:57
